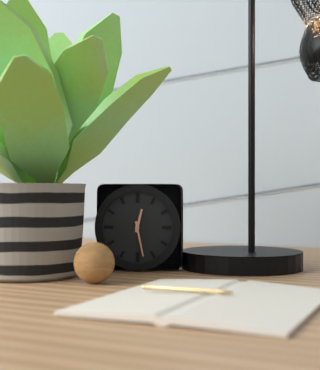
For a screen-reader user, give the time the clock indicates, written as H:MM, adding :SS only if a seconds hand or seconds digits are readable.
12:28
